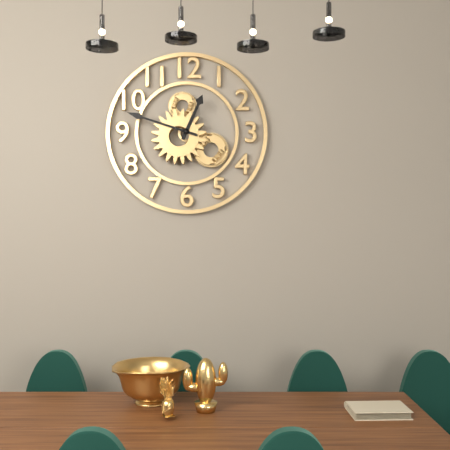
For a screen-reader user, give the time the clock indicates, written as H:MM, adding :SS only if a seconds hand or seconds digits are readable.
12:48
